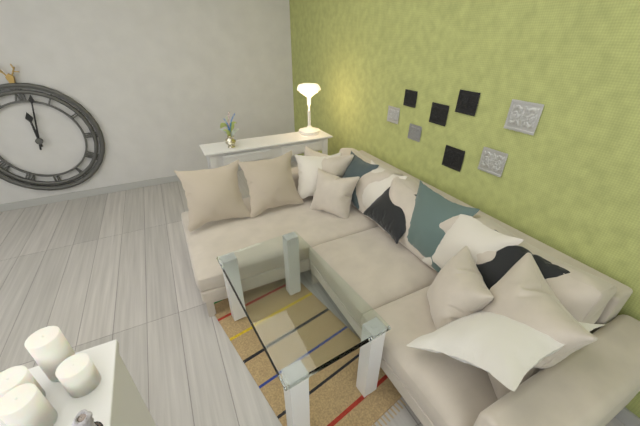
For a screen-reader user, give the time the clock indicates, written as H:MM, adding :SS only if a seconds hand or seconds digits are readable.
12:02
